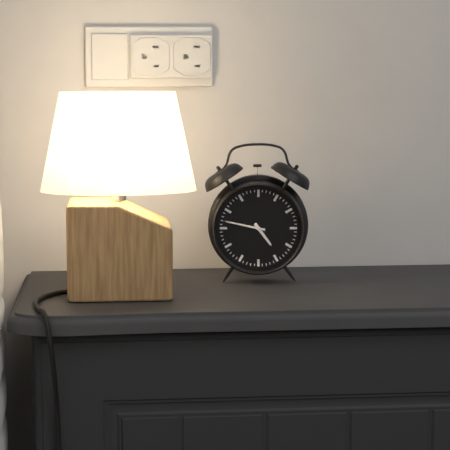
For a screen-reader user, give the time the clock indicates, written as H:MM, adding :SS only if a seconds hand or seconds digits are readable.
4:47
